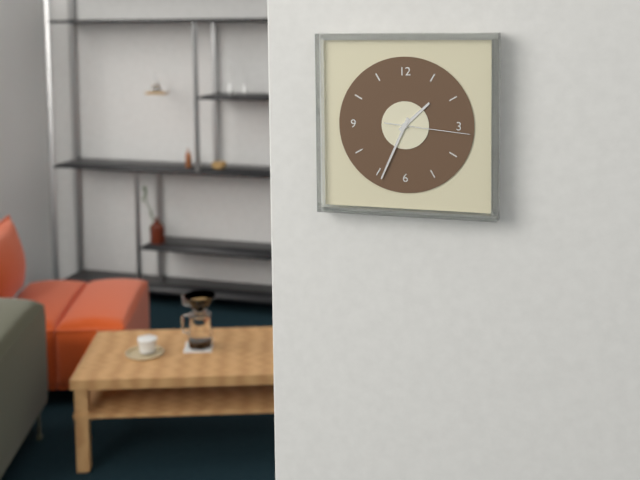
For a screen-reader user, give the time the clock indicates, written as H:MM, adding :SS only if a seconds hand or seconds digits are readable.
1:34:16
